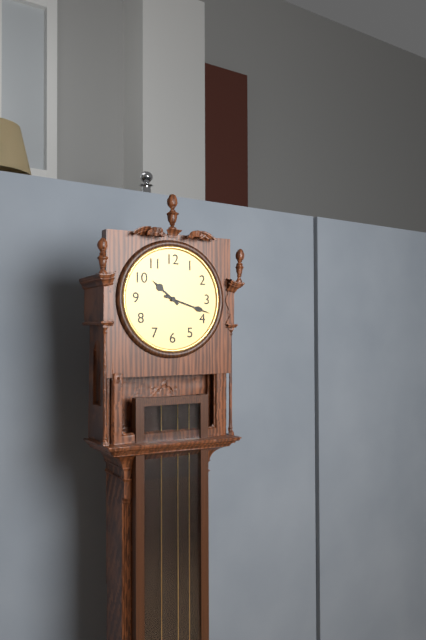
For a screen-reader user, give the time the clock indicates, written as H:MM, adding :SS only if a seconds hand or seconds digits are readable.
10:18
